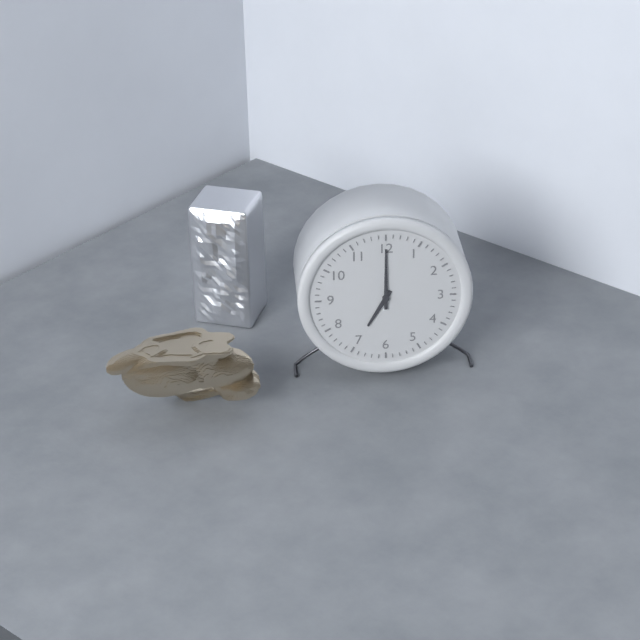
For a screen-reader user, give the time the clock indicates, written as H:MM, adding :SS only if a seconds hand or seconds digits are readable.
7:00
